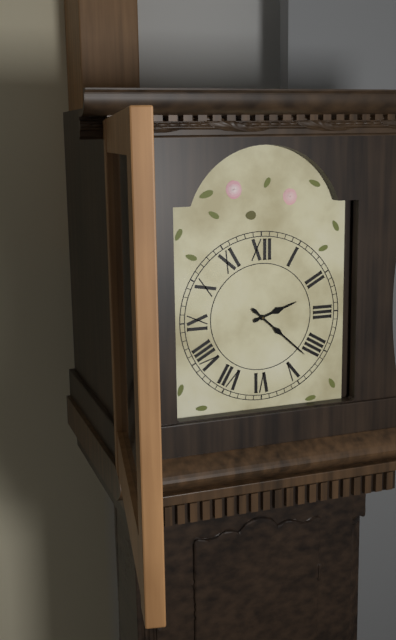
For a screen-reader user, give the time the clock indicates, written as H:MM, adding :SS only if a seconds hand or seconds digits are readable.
2:22
